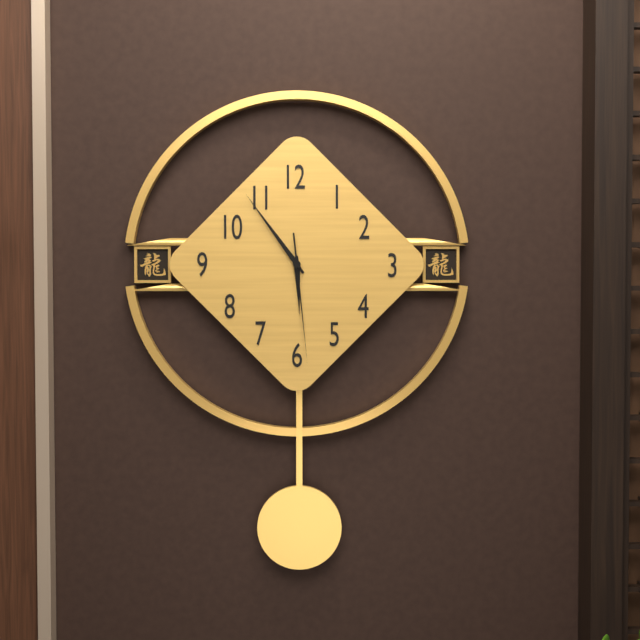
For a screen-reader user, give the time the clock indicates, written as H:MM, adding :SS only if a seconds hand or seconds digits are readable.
5:54:29
